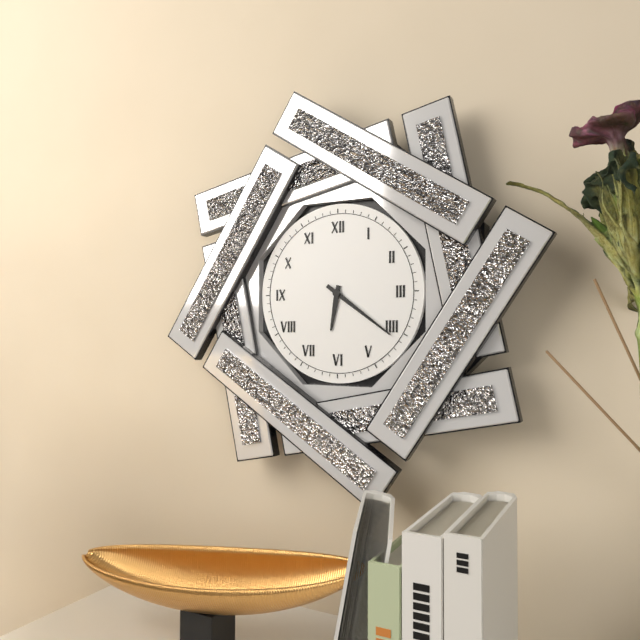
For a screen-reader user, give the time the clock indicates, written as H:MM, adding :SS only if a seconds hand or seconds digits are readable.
6:21
